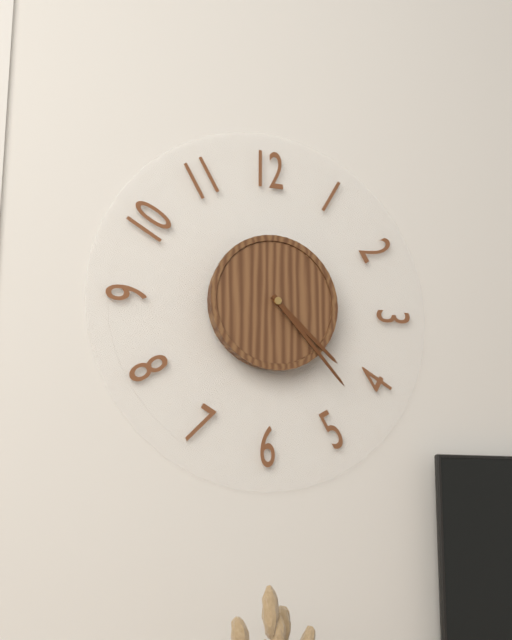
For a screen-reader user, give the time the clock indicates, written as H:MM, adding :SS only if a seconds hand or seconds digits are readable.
4:23
